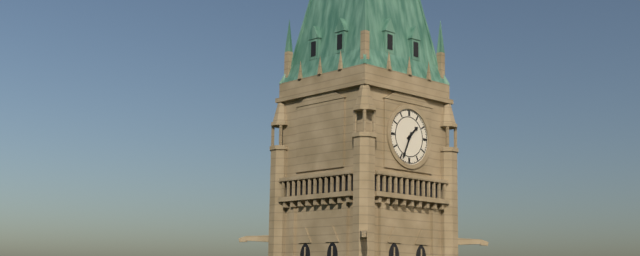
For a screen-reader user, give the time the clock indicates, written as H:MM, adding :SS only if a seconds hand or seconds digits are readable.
1:34
